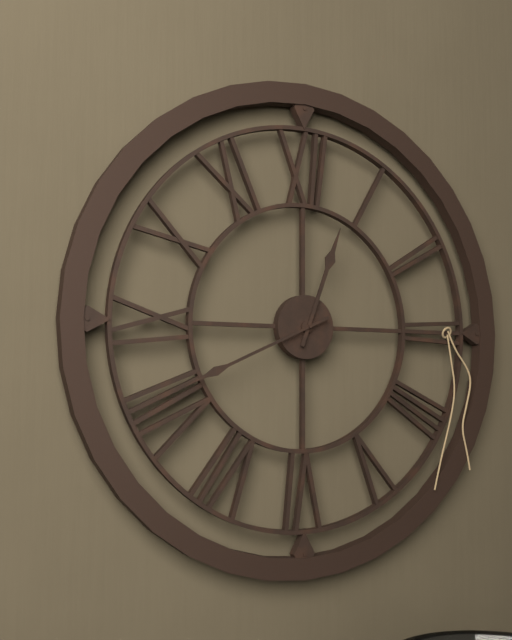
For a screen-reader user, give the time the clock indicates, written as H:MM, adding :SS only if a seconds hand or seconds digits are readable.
12:41
